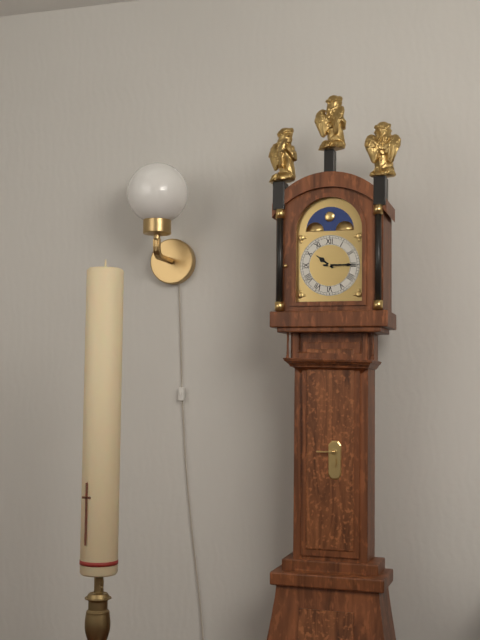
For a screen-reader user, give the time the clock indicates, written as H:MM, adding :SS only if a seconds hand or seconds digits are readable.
10:15
